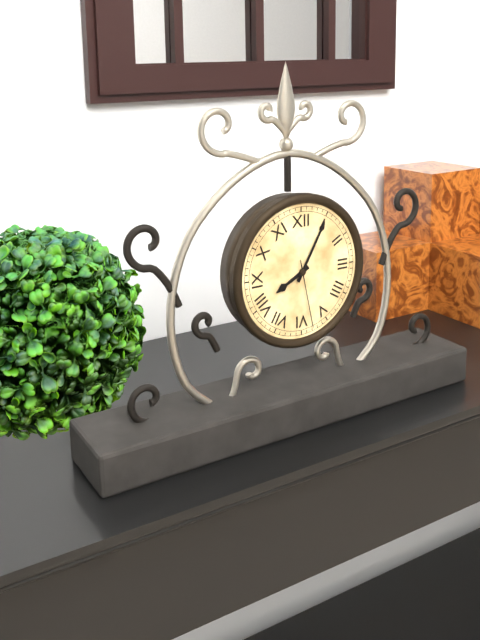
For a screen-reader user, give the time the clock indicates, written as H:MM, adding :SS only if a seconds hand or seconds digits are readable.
8:05:28
